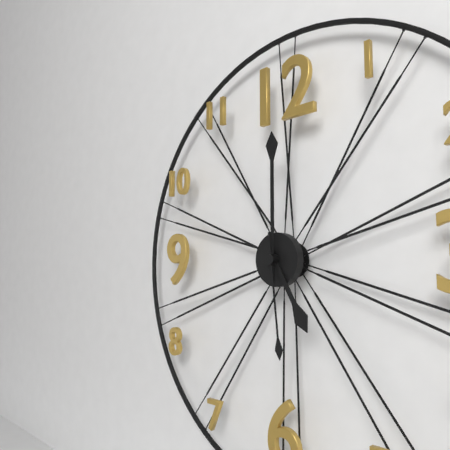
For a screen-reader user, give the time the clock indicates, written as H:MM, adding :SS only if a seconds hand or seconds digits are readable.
5:00:29
